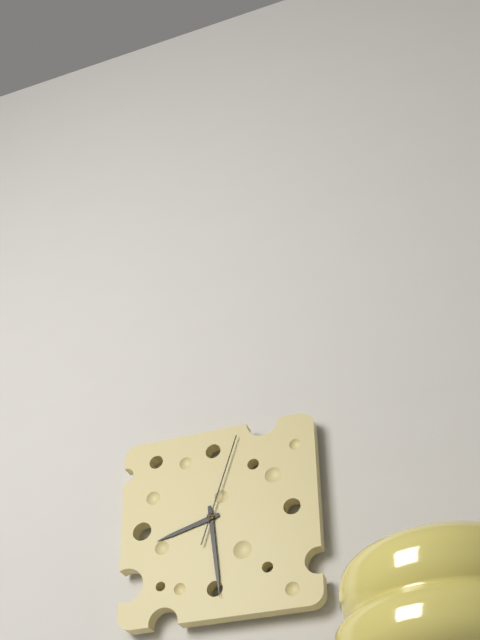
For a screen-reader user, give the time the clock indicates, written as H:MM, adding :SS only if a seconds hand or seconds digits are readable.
8:29:03
